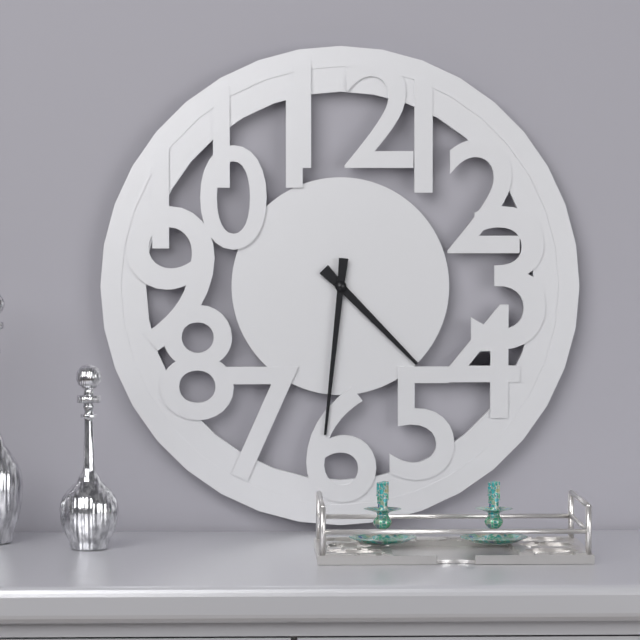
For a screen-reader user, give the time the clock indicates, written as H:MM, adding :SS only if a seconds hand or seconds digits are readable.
4:31
